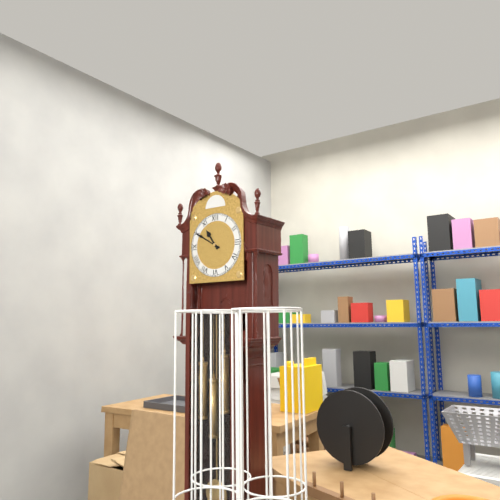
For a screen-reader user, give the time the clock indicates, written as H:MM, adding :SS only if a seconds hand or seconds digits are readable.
10:50
